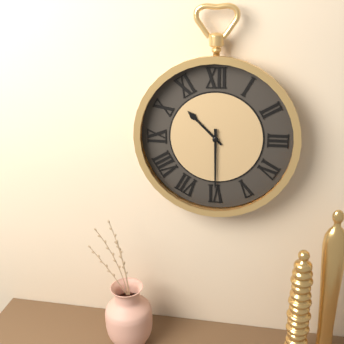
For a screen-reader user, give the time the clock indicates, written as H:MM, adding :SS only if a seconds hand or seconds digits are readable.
10:30
